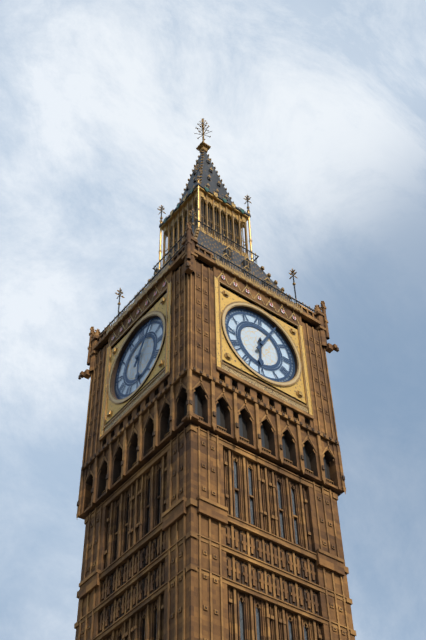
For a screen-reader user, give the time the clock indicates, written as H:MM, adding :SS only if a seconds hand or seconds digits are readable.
6:05
